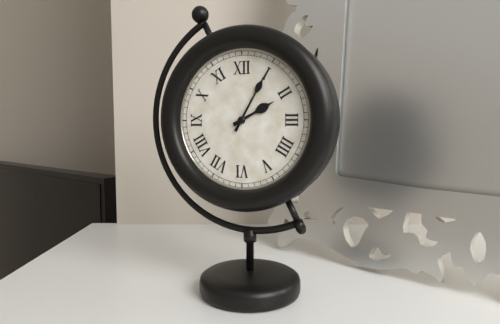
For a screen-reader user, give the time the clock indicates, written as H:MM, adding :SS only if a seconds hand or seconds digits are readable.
2:05
